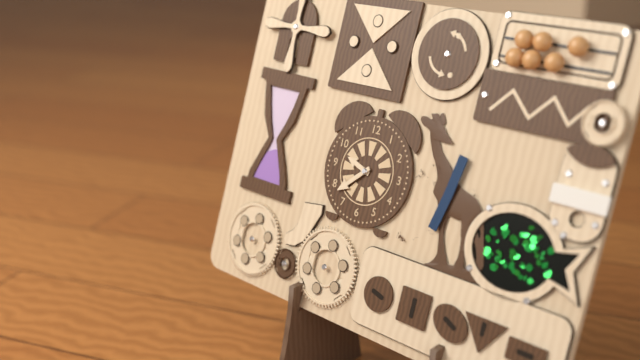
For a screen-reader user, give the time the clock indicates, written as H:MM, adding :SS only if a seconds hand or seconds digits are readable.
9:38
